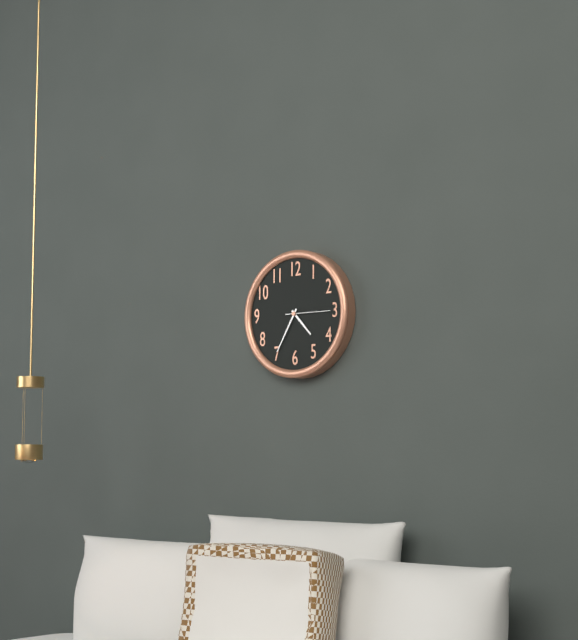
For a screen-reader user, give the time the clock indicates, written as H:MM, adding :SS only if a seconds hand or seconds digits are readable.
4:35
